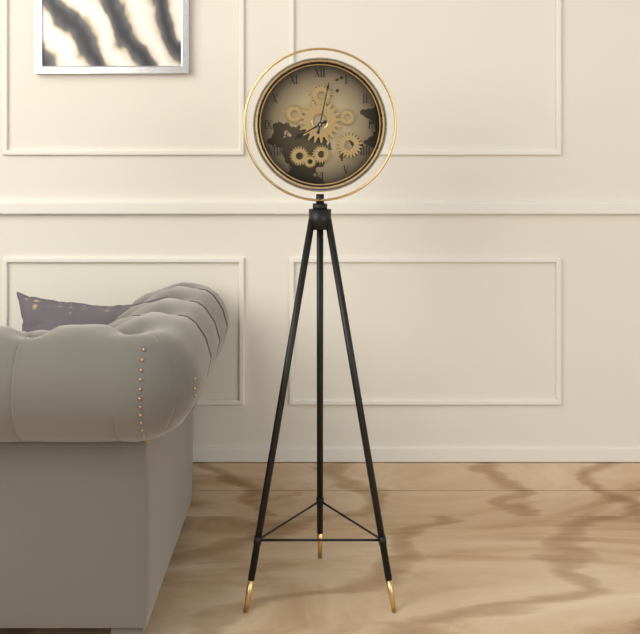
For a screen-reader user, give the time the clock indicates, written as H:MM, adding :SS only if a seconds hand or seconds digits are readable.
8:02
